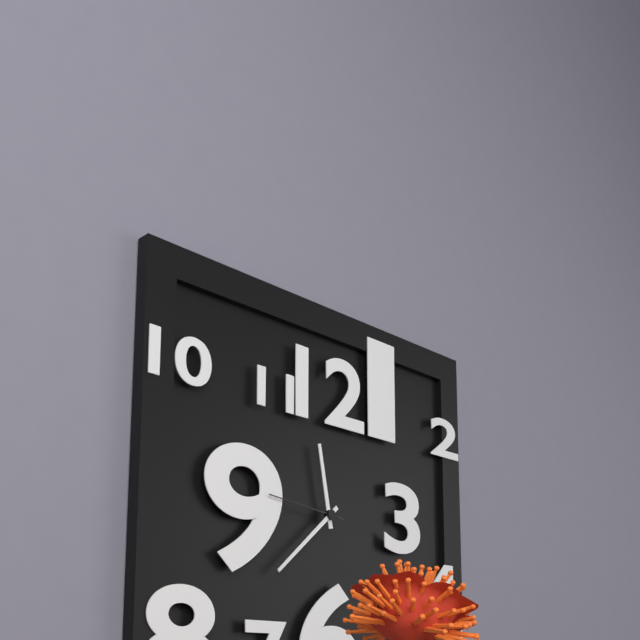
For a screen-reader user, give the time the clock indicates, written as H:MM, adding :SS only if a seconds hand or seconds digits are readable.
11:38:46
